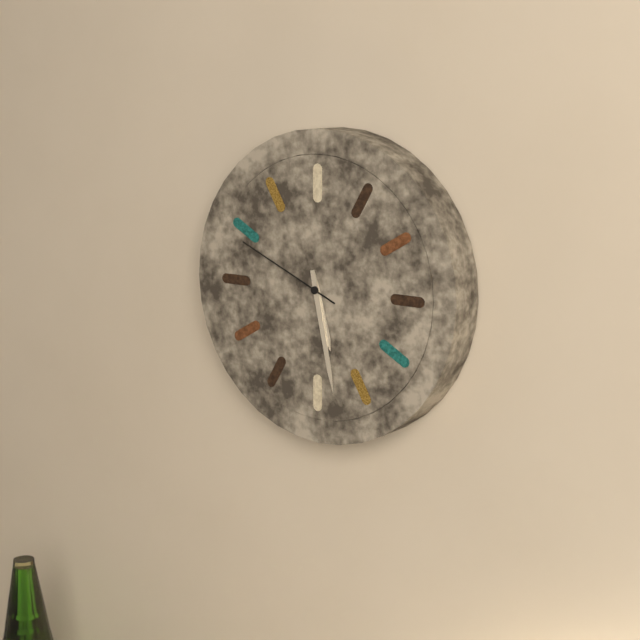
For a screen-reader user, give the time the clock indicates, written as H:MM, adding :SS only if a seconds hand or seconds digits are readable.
5:28:49
